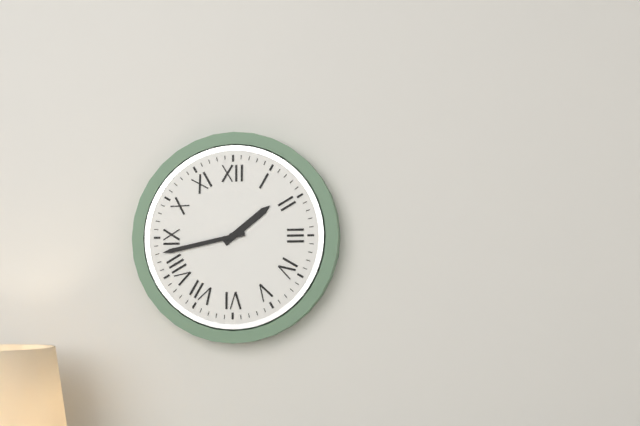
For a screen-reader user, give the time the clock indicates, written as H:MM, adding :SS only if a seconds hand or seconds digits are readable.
1:43
